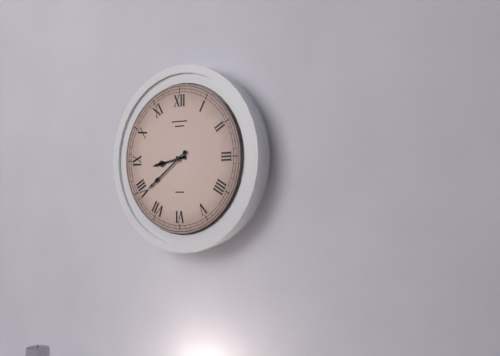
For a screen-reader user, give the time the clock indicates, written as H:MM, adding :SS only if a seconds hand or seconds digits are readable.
8:39
